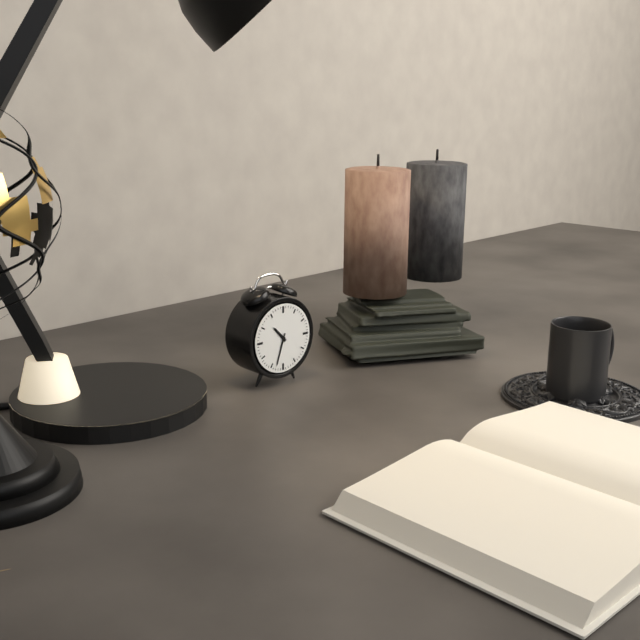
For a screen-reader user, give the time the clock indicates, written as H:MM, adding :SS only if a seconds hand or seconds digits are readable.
10:33
